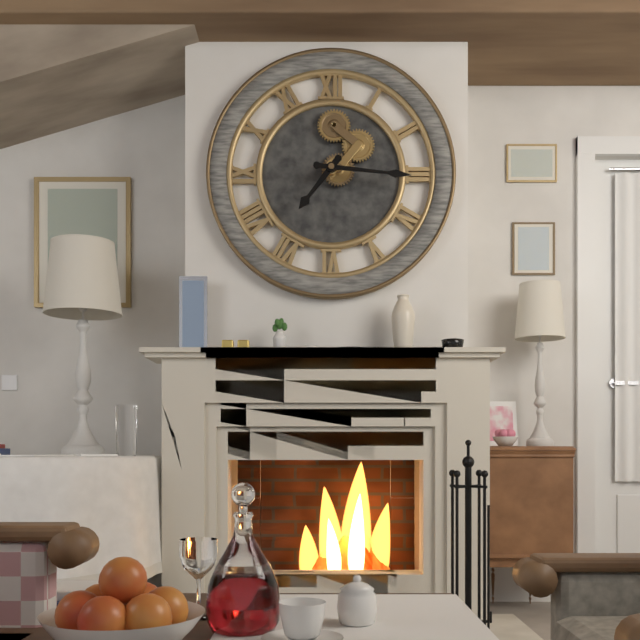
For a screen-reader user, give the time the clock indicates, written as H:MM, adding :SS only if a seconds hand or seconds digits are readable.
7:16
